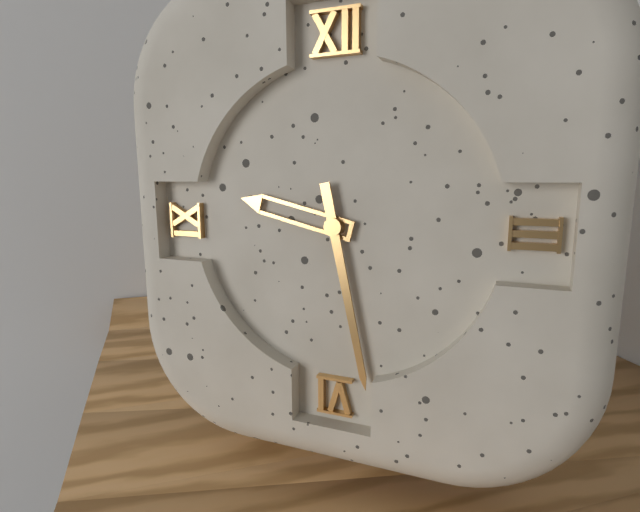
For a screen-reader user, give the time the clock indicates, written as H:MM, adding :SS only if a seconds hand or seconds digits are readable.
9:28
